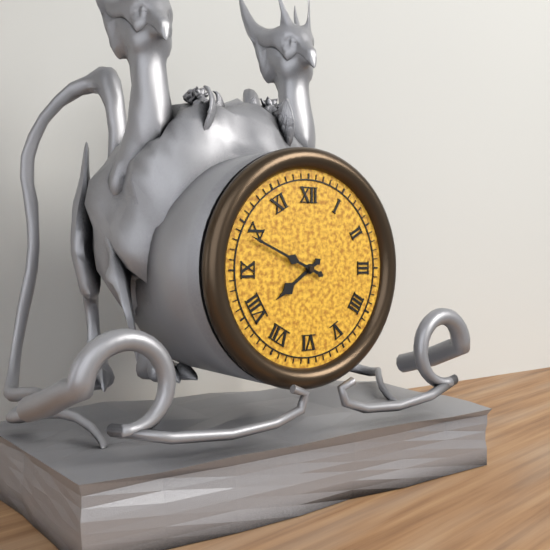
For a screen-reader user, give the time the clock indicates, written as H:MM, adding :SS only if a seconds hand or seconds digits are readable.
7:49
